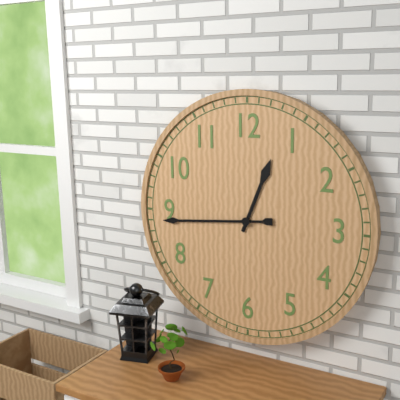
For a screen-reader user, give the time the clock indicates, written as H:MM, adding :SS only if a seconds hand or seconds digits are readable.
12:44
